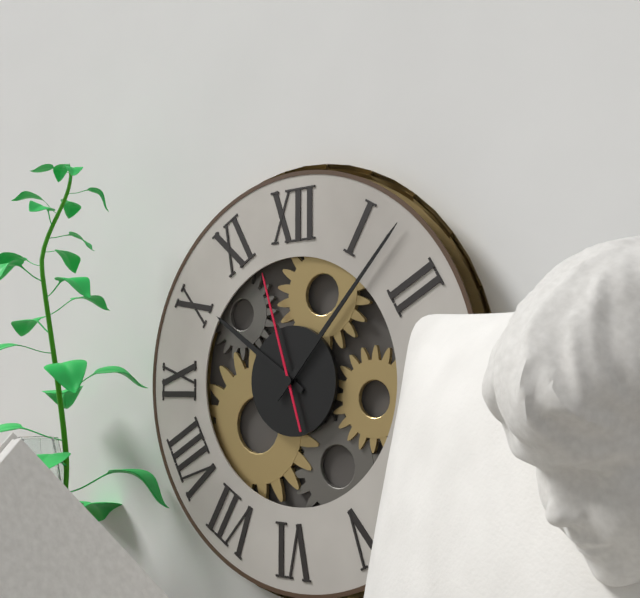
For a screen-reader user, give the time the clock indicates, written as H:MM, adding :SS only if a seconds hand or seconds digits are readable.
10:07:57
